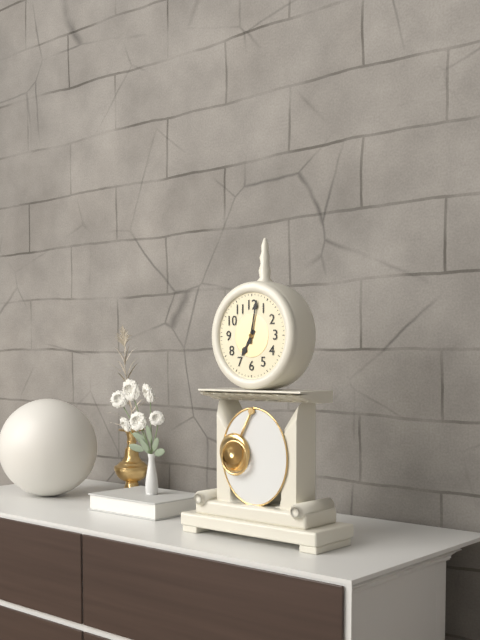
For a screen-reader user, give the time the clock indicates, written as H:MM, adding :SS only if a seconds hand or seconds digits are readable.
7:02
